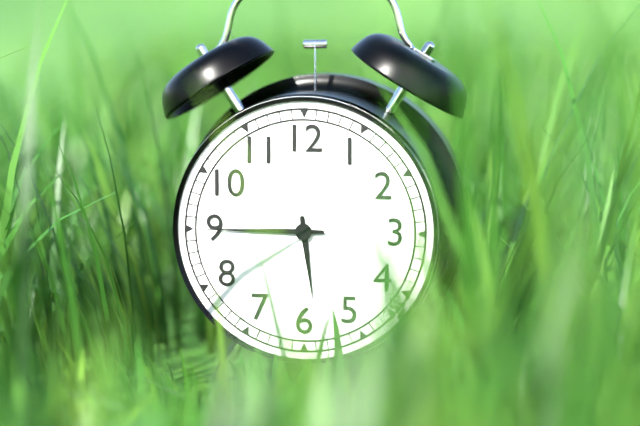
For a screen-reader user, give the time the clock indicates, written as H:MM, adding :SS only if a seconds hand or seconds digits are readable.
5:45
